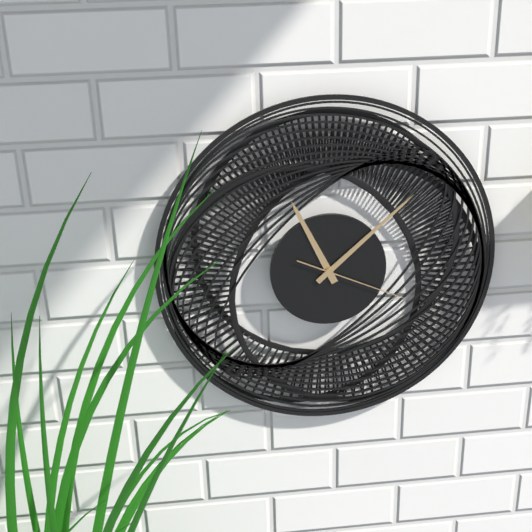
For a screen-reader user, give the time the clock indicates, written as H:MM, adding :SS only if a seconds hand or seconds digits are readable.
11:08:19
